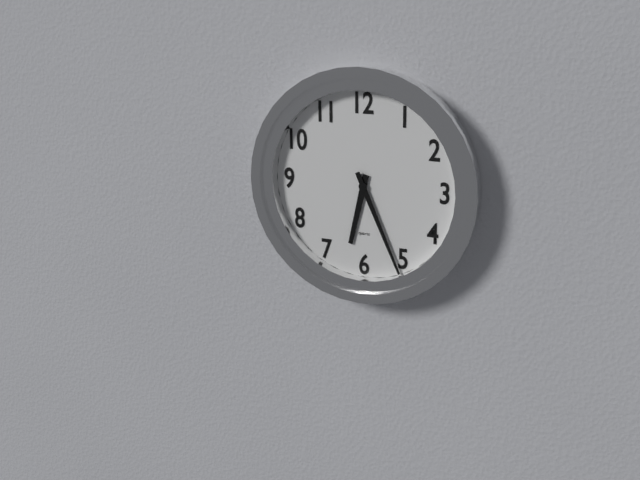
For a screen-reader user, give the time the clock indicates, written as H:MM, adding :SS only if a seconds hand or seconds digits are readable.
6:26
